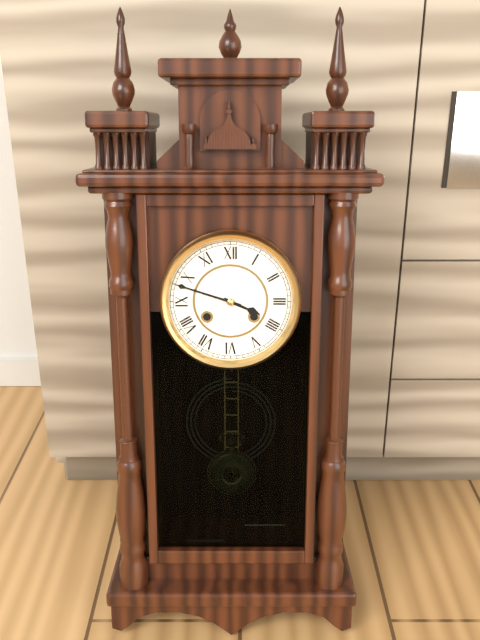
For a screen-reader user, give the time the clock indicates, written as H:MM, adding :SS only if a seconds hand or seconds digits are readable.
3:48
